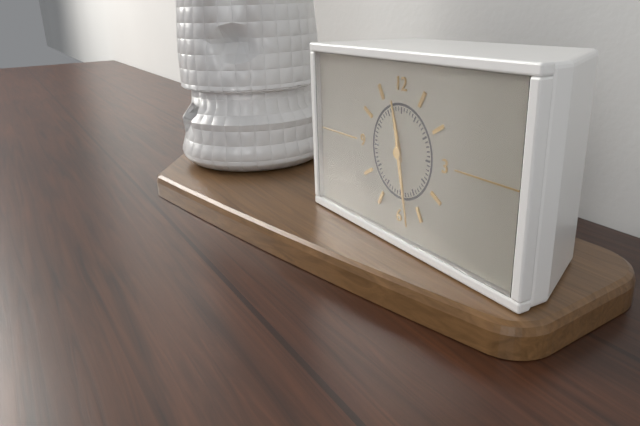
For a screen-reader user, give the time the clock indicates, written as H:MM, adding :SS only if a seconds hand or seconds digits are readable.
11:28
